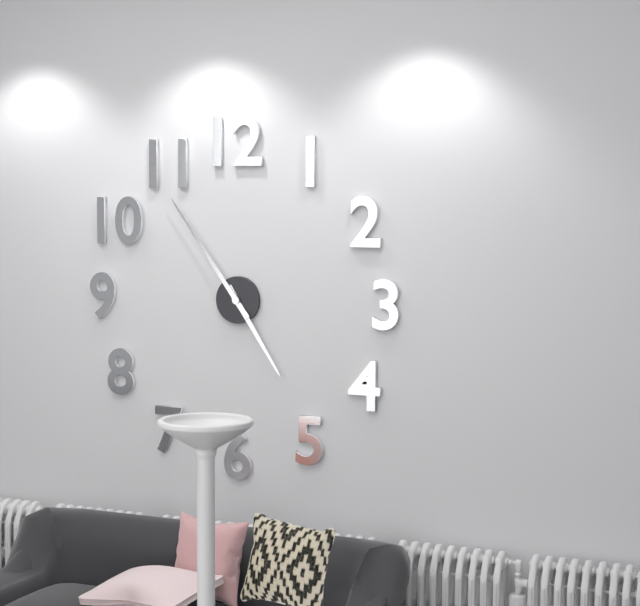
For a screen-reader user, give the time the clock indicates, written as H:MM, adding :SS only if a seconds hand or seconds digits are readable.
4:54
